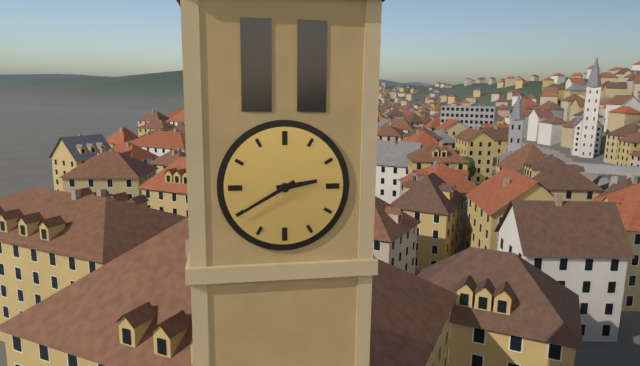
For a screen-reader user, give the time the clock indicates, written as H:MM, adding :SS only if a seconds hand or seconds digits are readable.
2:40
